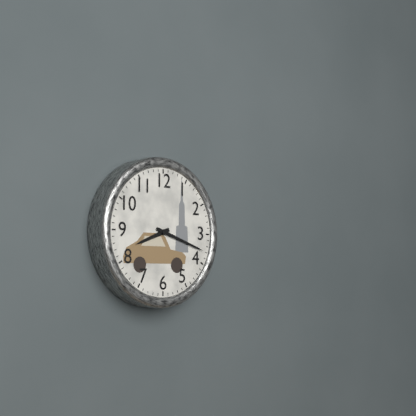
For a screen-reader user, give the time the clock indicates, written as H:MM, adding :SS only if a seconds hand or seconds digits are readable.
8:18
